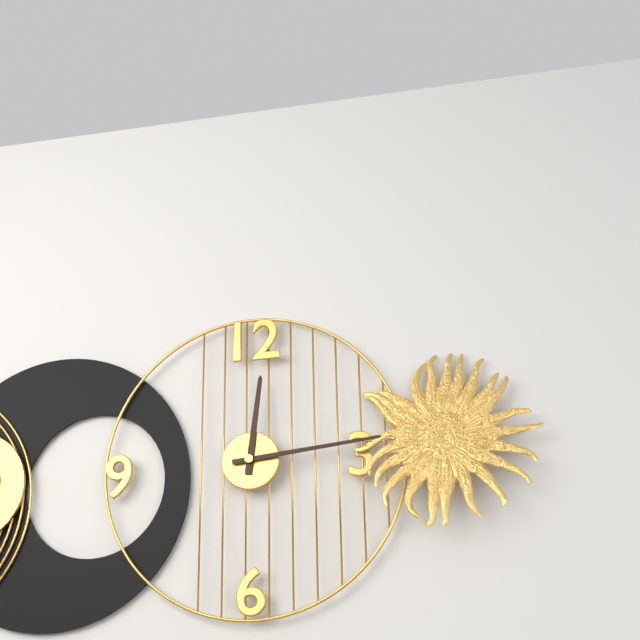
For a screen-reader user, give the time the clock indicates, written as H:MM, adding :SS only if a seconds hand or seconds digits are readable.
12:14
